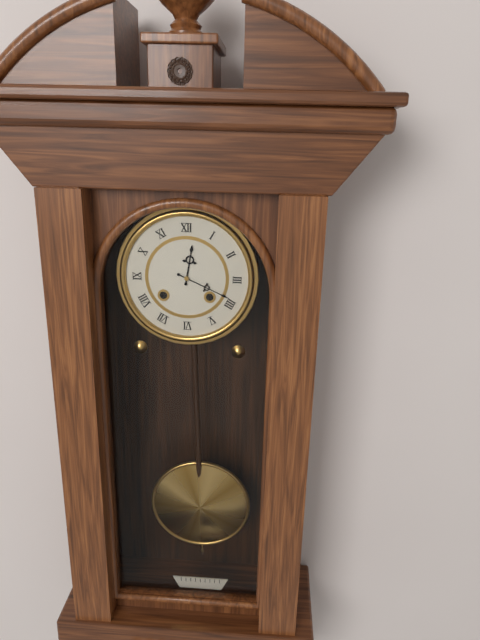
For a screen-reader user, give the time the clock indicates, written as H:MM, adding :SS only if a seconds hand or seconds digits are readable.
12:19
